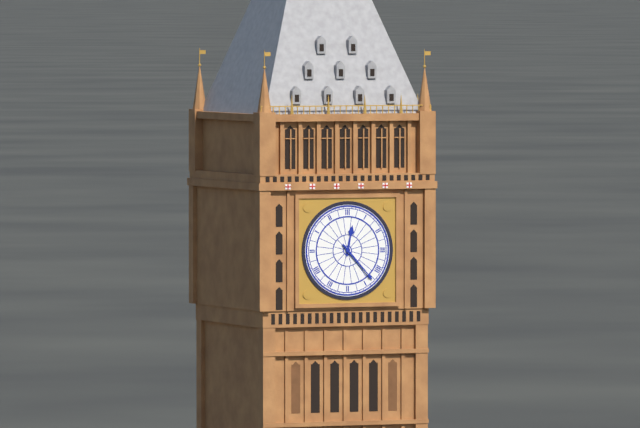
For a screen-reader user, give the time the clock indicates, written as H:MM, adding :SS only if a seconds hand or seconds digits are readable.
12:23
